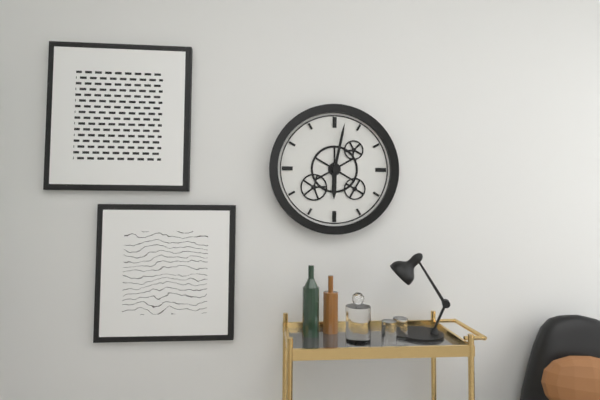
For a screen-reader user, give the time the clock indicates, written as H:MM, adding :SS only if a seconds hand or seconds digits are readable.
6:02
